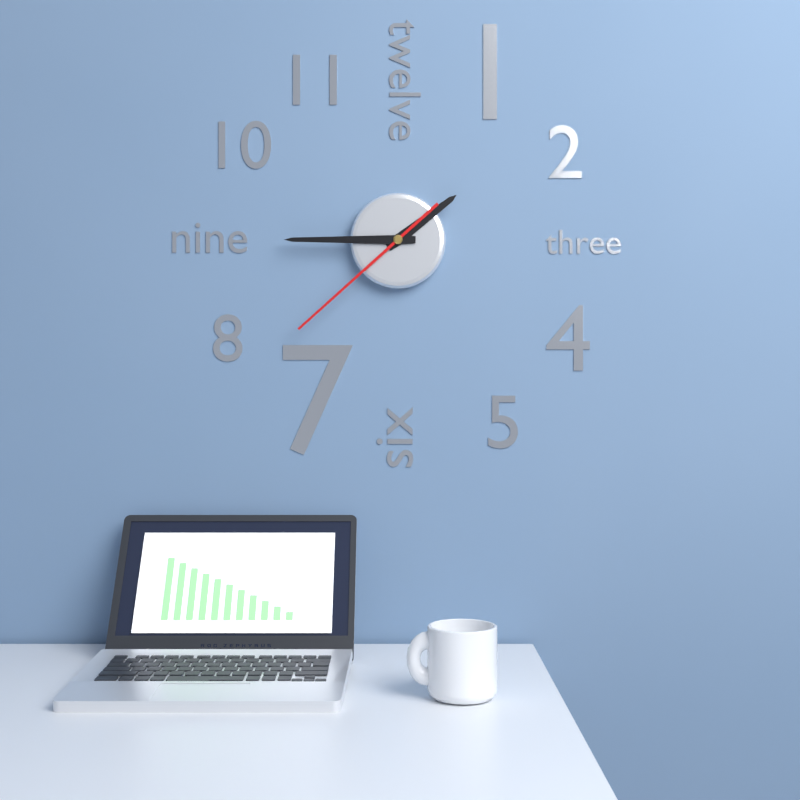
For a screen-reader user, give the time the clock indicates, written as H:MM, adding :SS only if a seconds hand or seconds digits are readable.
1:45:38
